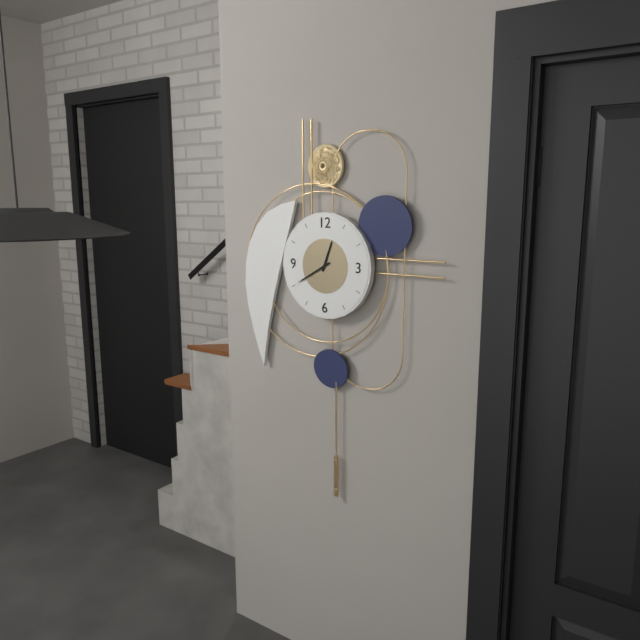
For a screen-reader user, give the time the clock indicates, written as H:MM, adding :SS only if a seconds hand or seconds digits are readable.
12:40
